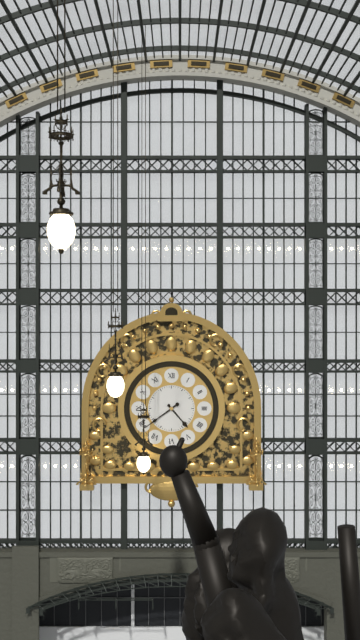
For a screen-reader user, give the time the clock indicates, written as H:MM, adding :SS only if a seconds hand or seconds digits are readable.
4:39
